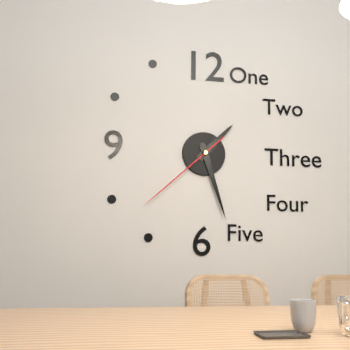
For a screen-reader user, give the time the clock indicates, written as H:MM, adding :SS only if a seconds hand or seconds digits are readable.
1:27:38
